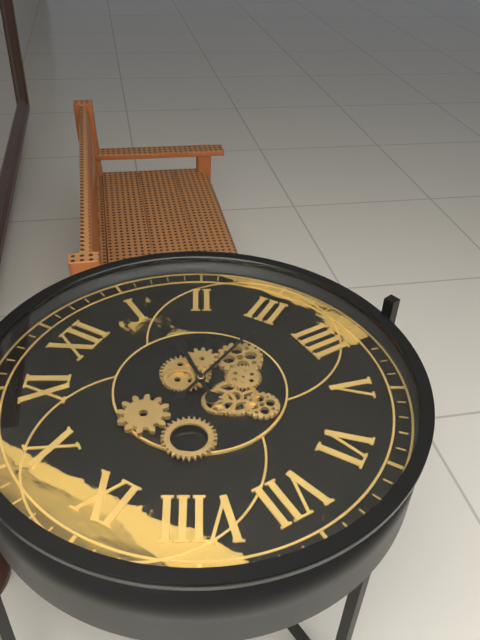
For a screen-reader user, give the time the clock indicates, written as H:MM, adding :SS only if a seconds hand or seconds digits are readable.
1:16
